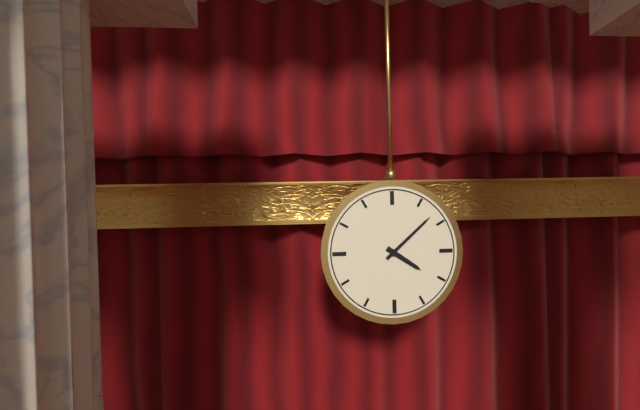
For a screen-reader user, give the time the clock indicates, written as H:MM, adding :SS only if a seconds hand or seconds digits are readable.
4:08
